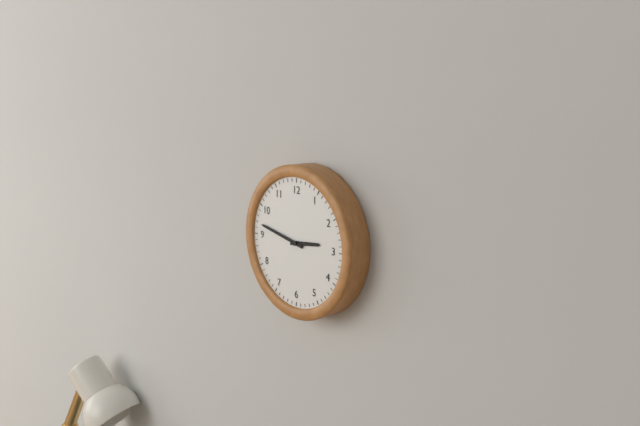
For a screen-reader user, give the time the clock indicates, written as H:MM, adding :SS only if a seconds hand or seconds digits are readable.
2:47
